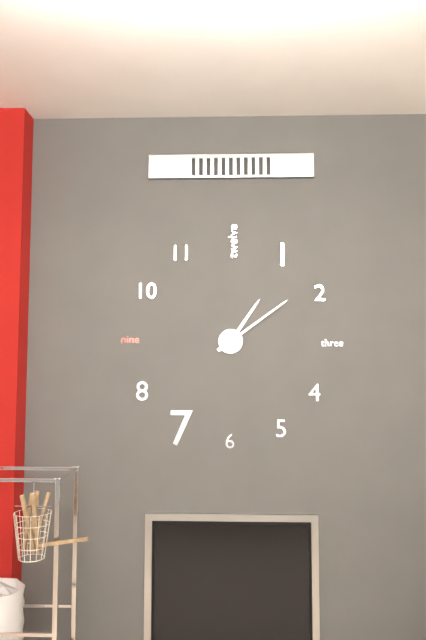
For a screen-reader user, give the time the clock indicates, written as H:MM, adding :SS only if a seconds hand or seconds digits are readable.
1:09
